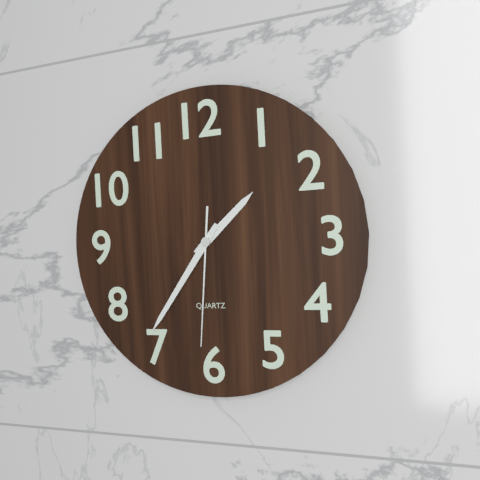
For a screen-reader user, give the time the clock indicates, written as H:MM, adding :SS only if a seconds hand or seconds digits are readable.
1:36:31
